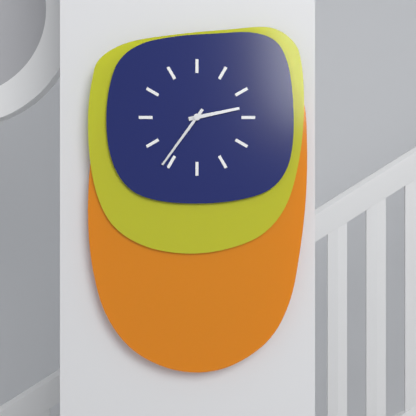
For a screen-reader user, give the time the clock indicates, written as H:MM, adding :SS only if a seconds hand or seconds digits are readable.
2:36
